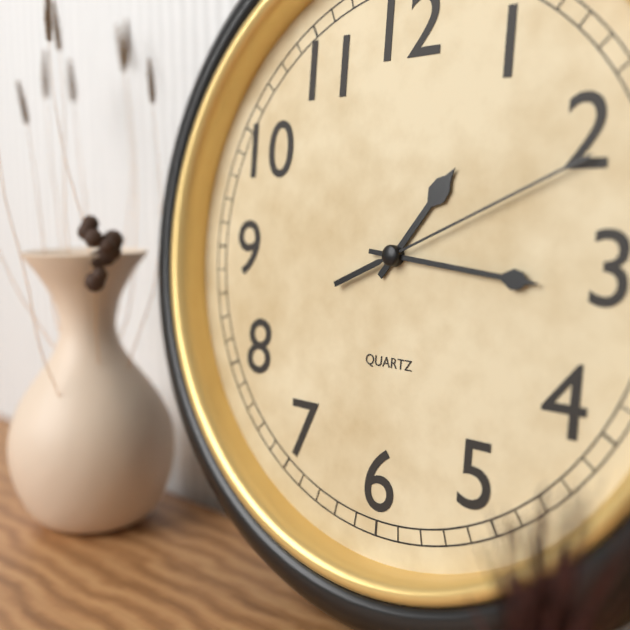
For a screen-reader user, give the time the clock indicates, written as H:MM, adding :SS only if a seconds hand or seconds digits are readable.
1:16:11
